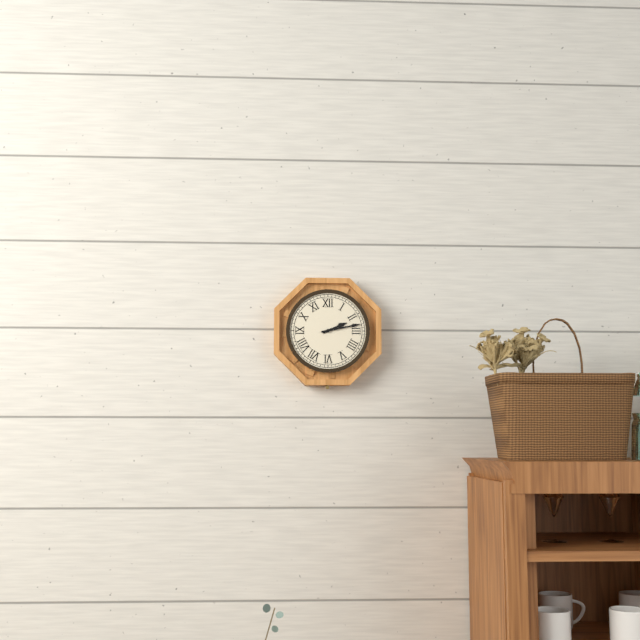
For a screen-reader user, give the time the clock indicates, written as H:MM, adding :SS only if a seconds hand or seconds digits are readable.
2:13
